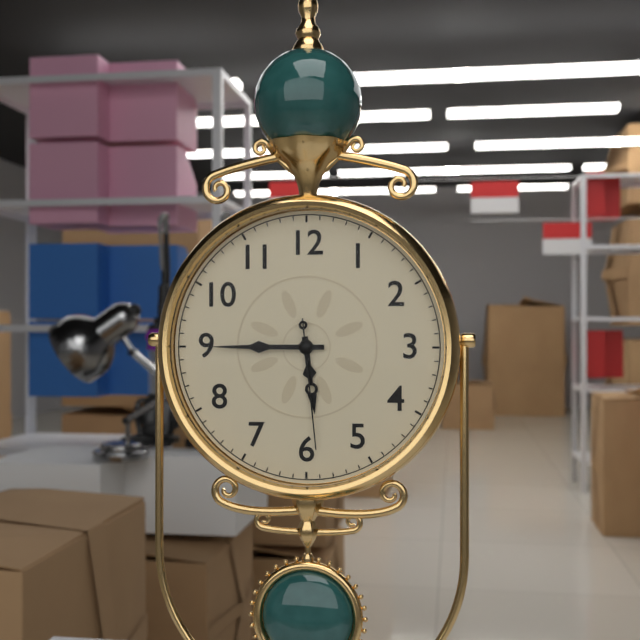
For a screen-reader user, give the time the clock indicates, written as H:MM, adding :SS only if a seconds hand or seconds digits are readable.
5:45:29
